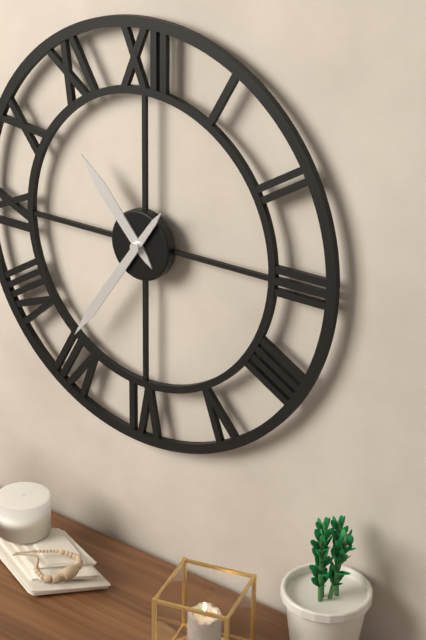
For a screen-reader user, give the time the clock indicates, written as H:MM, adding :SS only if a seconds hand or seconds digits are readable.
10:36
